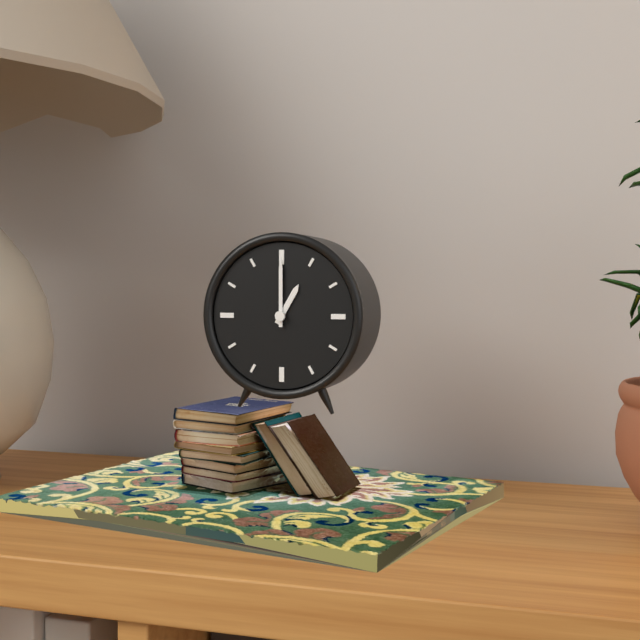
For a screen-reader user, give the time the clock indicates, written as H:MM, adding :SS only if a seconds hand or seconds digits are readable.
1:00
